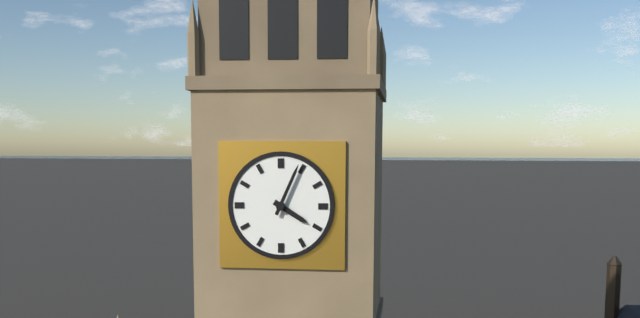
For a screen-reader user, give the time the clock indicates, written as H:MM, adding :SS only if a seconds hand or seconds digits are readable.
4:04
